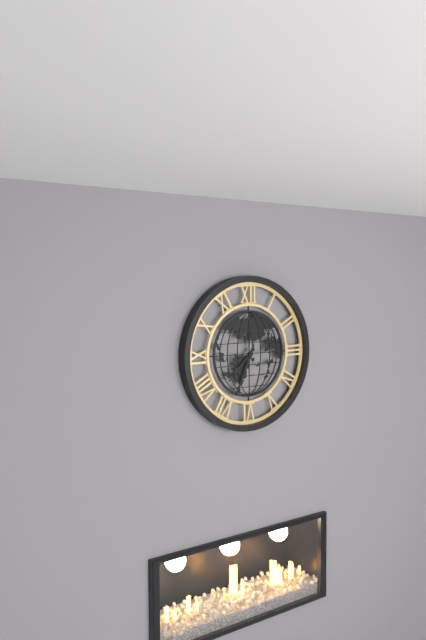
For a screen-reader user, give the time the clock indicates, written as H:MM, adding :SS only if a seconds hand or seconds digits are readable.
7:34
